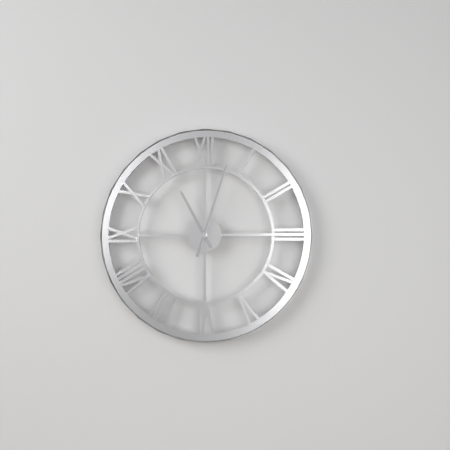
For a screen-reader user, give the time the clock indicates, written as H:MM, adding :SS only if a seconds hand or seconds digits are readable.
11:03
